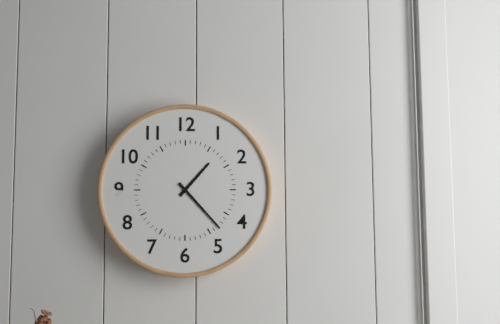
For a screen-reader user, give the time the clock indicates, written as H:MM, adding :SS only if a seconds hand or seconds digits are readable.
1:23
